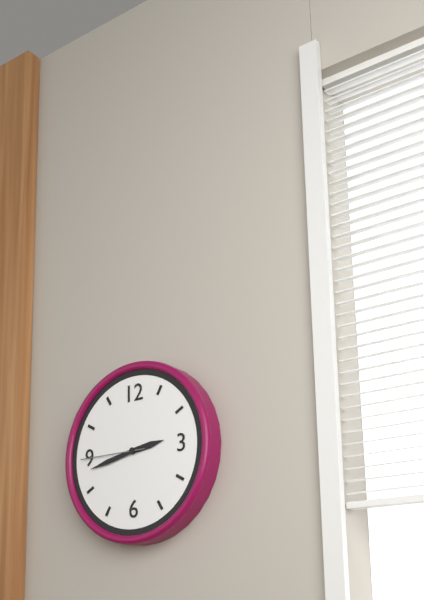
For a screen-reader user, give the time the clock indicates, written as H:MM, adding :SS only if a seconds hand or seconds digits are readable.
2:43:45
